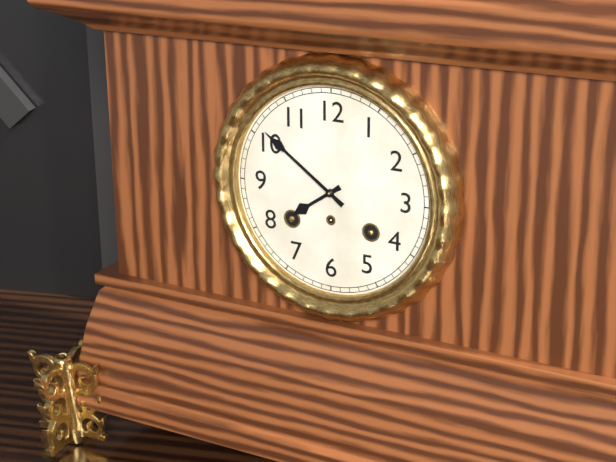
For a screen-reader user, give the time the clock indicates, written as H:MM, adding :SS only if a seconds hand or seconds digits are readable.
7:51
